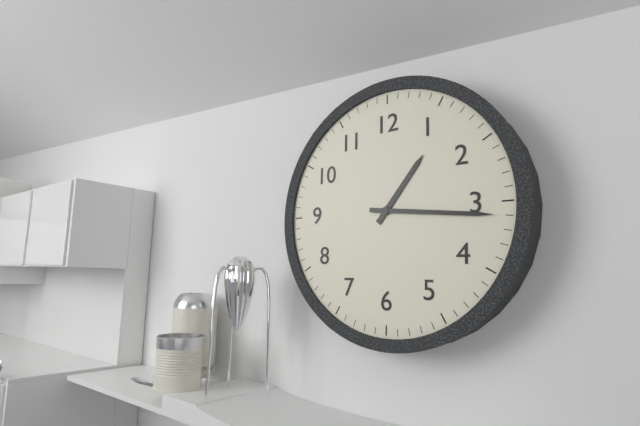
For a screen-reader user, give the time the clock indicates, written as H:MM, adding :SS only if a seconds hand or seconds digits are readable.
1:16
